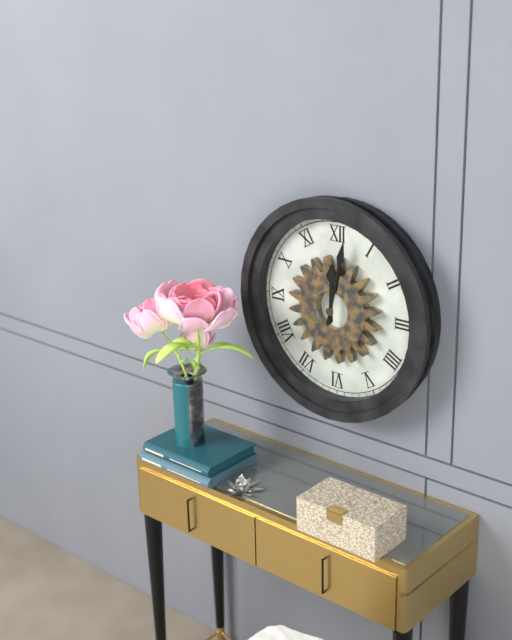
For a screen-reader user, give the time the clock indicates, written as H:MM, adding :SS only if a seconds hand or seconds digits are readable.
12:02
